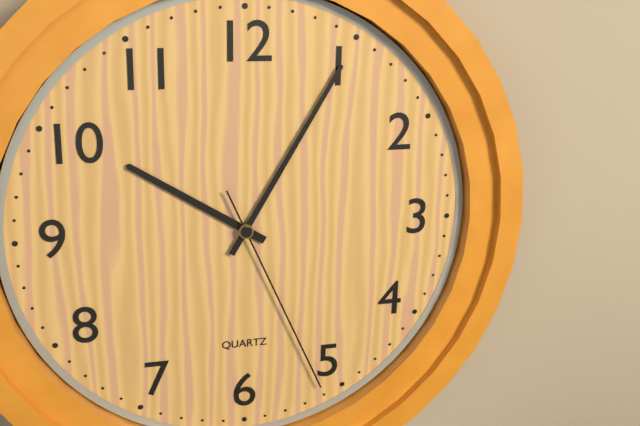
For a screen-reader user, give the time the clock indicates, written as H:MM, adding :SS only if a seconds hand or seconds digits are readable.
10:05:26
